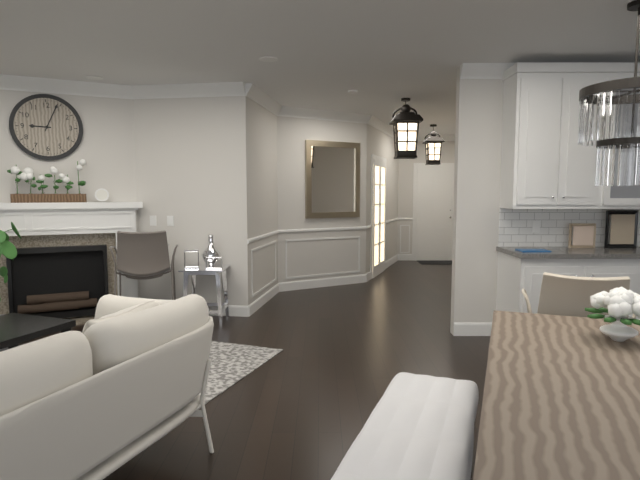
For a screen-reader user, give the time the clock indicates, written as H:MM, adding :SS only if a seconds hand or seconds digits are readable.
9:04
